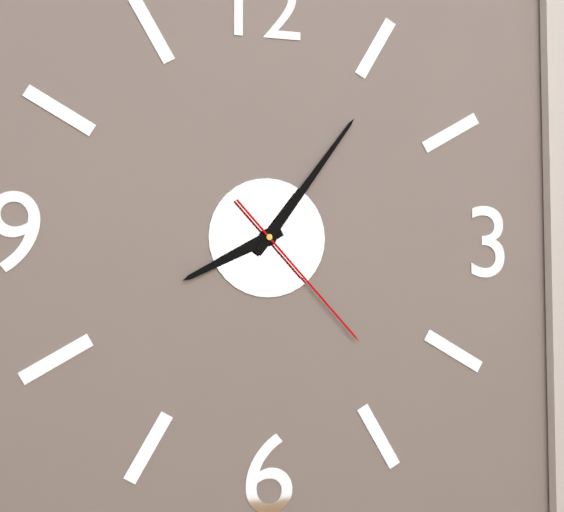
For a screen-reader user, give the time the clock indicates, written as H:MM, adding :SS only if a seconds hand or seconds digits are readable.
8:06:23
